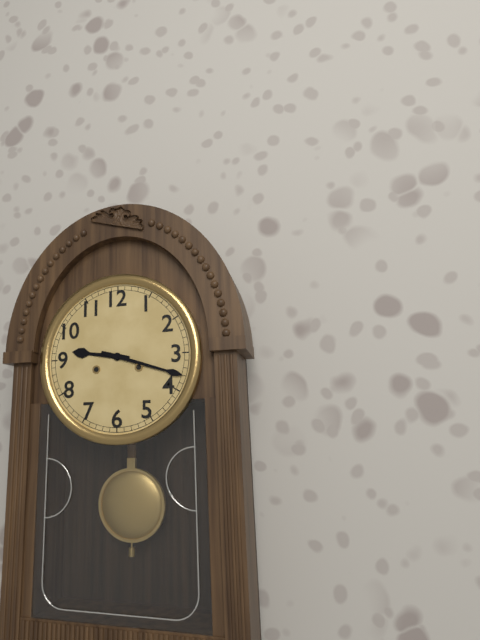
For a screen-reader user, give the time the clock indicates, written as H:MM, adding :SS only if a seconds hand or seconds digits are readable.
9:18
